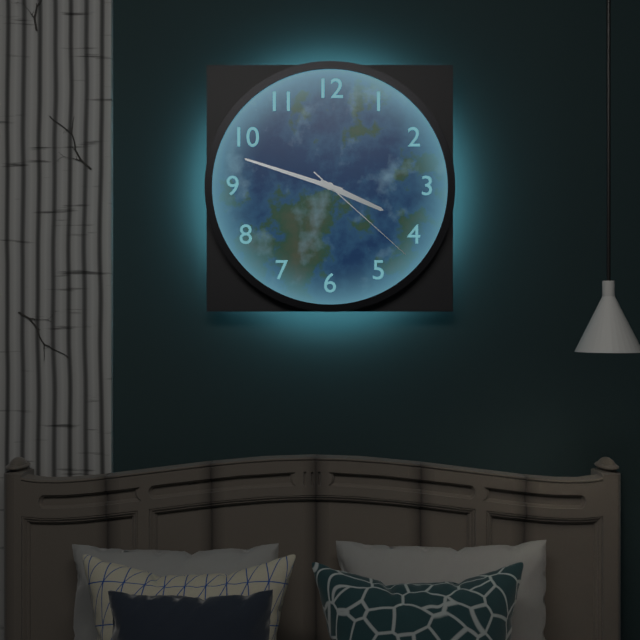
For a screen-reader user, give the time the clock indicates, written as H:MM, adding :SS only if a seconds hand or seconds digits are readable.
3:48:22
